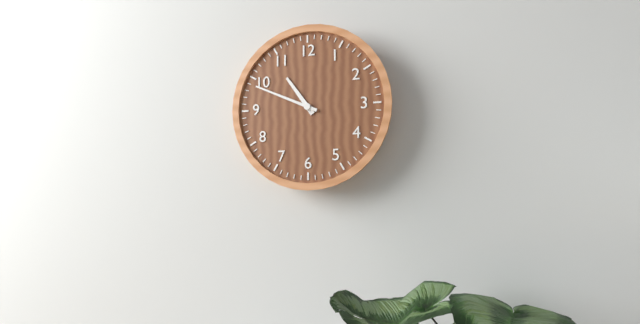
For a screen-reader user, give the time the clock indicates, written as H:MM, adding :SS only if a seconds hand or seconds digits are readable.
10:49
